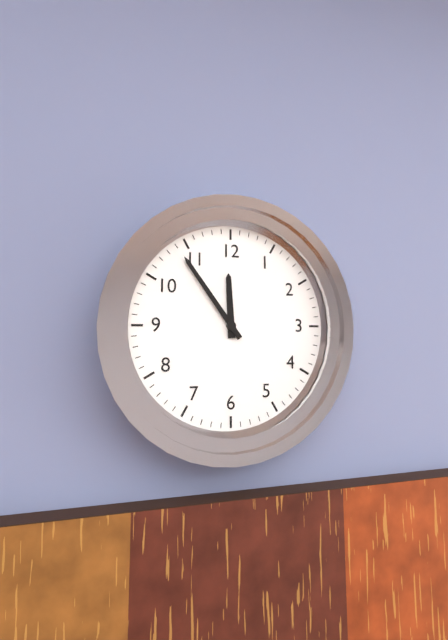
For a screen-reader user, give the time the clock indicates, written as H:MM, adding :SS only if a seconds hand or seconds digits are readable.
11:54
